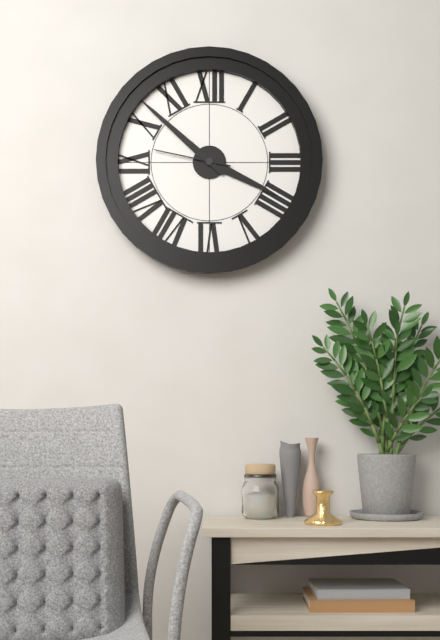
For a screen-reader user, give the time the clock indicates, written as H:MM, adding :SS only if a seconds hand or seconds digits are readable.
3:52:47
